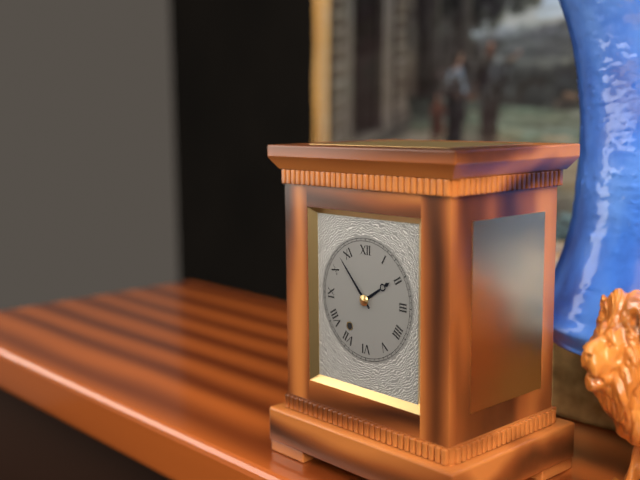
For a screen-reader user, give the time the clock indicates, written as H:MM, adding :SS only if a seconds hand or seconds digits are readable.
1:53
